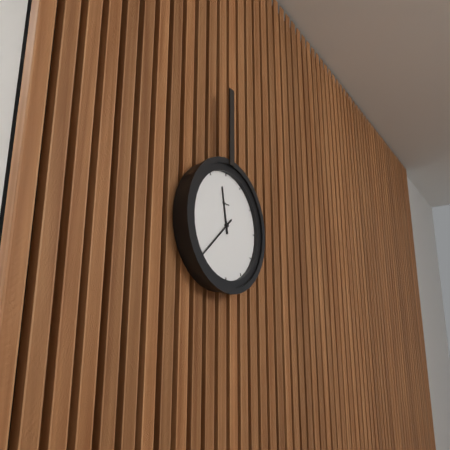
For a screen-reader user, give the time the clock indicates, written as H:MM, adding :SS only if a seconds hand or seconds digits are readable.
11:38
